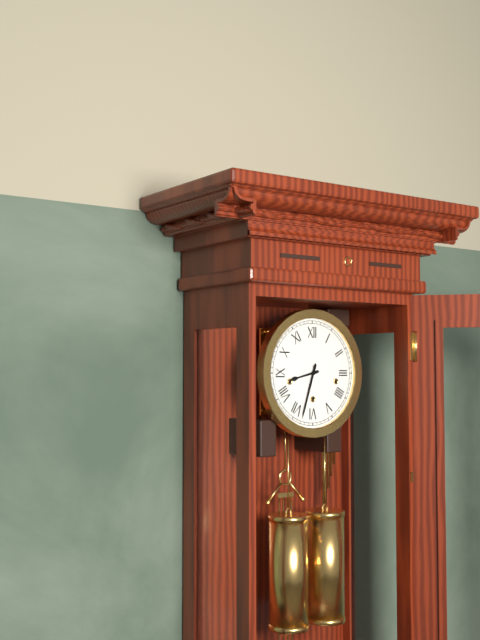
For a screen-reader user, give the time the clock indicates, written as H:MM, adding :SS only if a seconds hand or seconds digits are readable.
8:33
